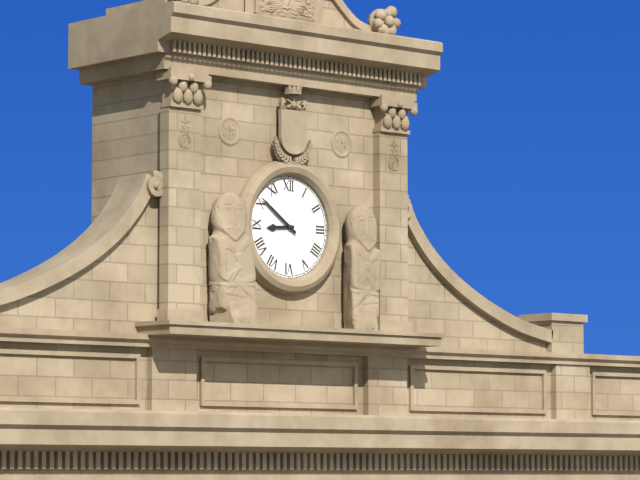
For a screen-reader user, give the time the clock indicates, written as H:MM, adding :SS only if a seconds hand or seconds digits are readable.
8:51
